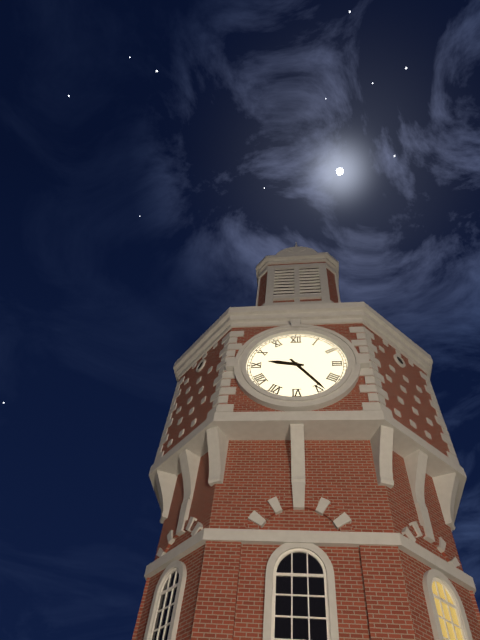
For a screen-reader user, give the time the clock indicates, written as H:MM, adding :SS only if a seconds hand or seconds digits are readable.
9:24
